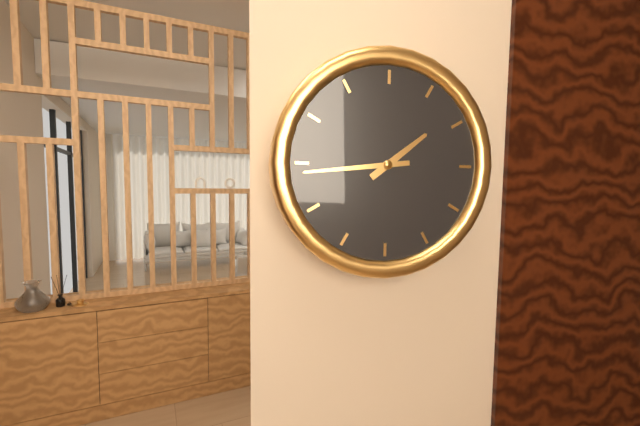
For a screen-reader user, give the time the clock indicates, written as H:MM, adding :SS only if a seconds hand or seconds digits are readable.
1:44
